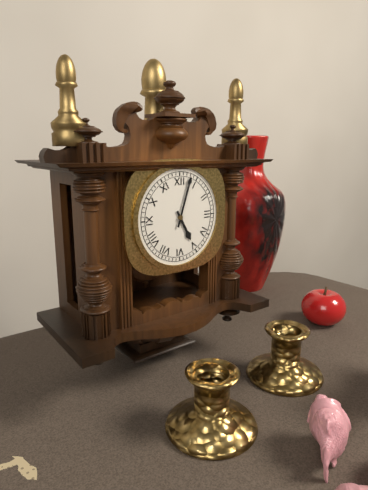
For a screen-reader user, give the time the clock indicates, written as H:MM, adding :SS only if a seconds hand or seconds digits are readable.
5:03
